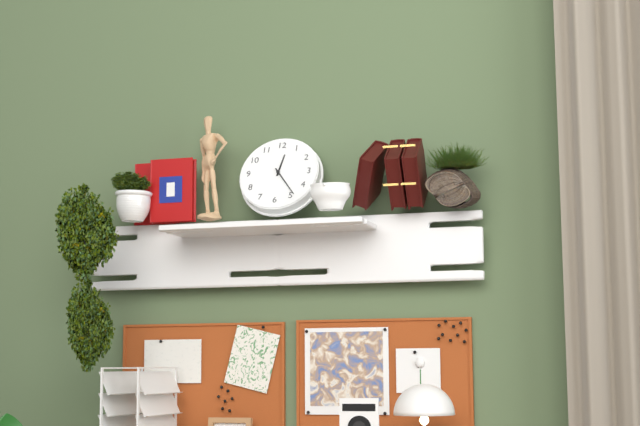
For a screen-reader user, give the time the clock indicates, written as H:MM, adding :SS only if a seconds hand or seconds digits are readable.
12:24
